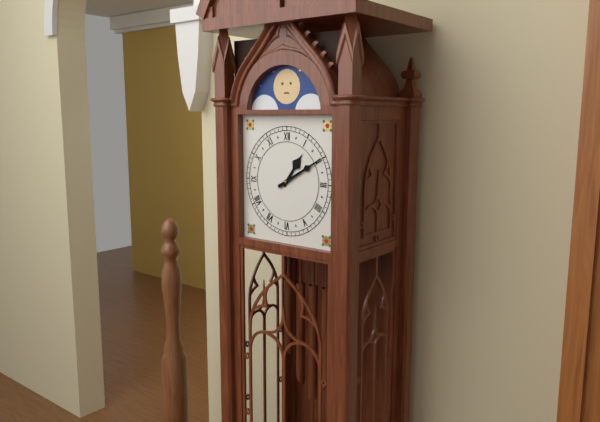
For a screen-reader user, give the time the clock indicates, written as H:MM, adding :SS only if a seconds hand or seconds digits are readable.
1:10
